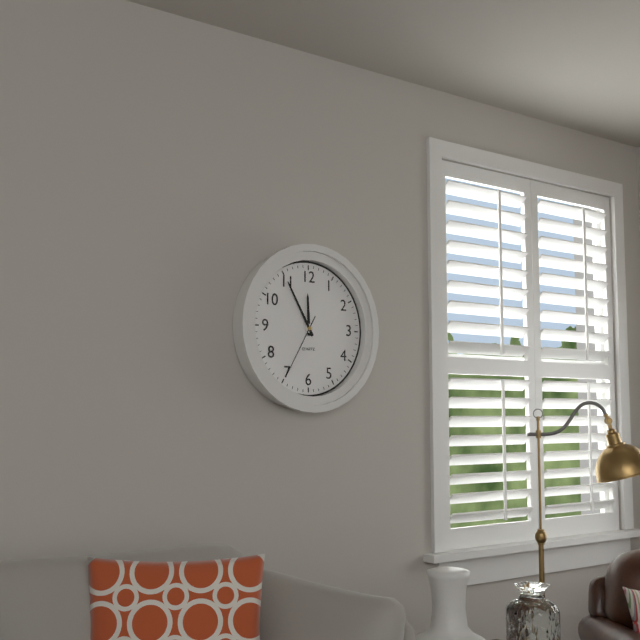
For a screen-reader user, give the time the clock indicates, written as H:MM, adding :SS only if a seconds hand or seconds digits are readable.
11:55:35
